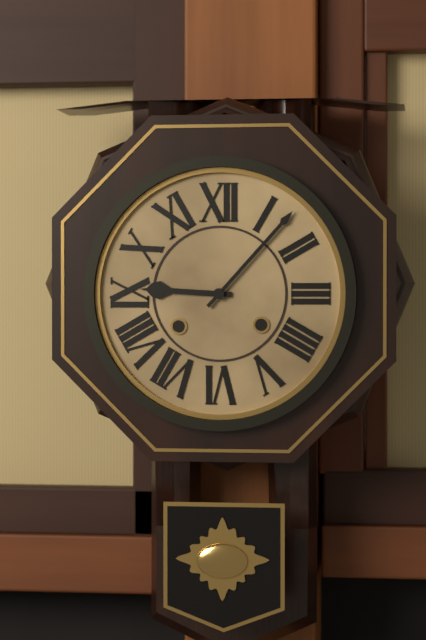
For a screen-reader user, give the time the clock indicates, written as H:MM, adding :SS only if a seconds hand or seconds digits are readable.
9:07
